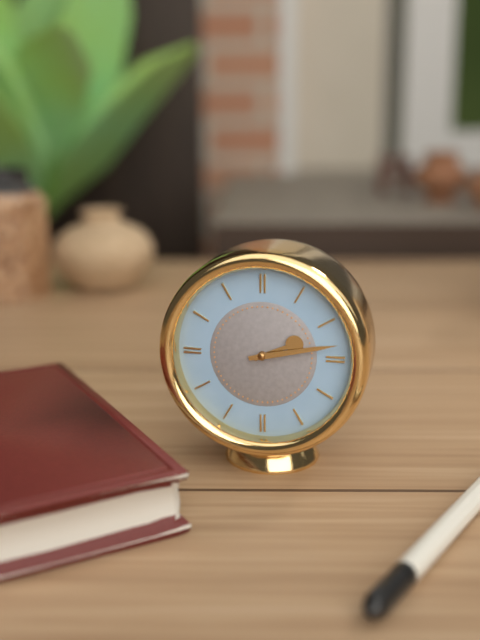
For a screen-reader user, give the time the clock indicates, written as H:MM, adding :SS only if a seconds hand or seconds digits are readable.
2:13
